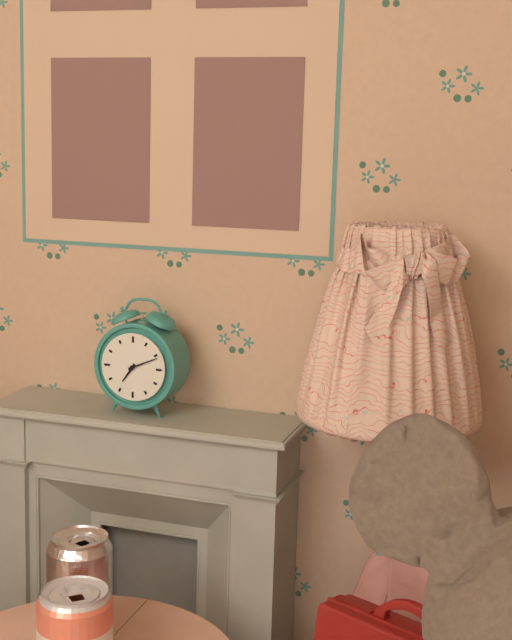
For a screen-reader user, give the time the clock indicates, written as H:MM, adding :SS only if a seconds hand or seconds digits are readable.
7:11
